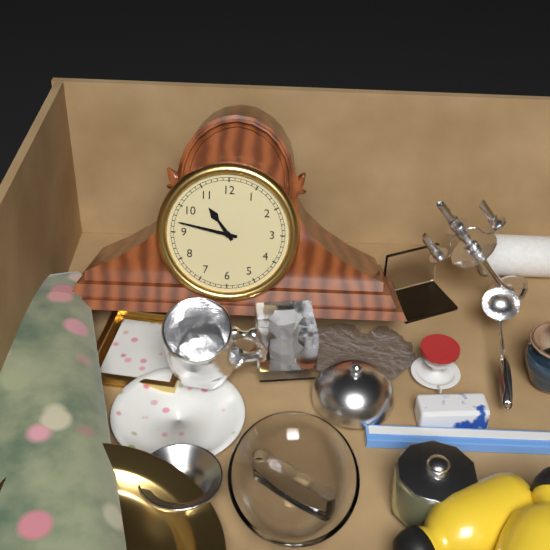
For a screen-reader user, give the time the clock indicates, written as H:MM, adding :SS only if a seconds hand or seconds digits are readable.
10:47
